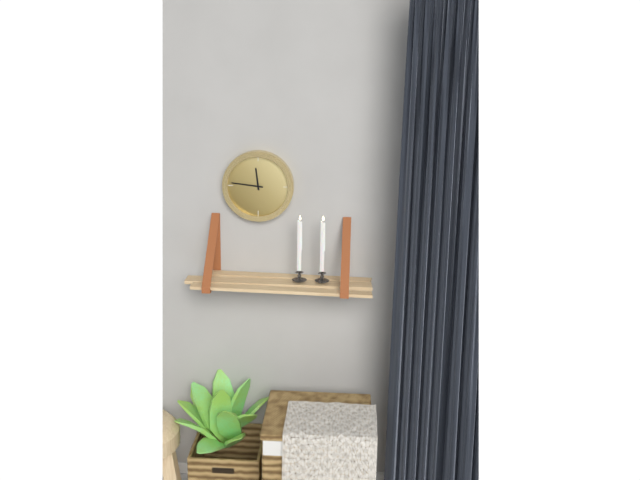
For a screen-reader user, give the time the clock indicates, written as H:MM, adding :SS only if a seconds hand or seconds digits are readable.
11:46
